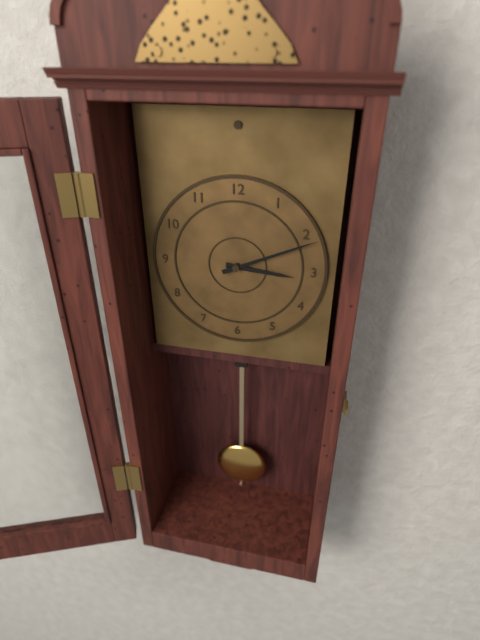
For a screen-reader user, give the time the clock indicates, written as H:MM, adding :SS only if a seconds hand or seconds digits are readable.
3:11
